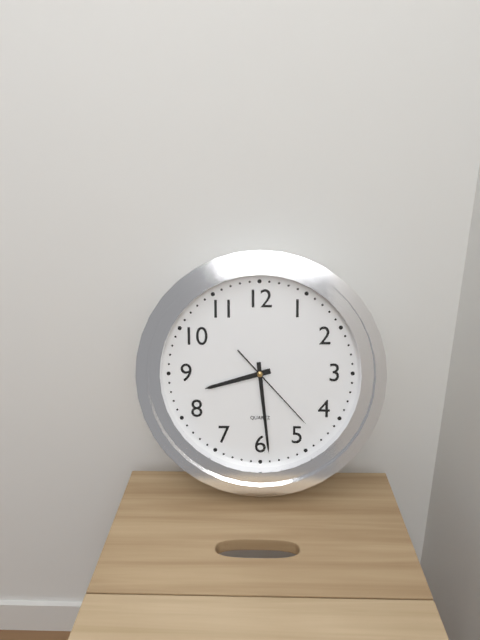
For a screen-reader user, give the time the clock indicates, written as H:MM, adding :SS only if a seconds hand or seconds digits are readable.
8:29:23
